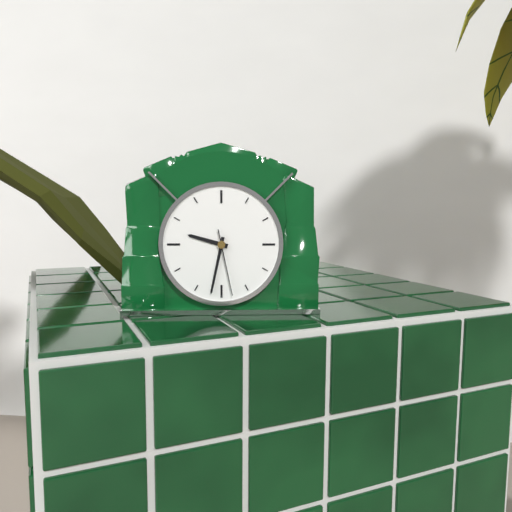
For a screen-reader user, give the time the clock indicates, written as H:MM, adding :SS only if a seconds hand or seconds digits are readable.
9:32:28
